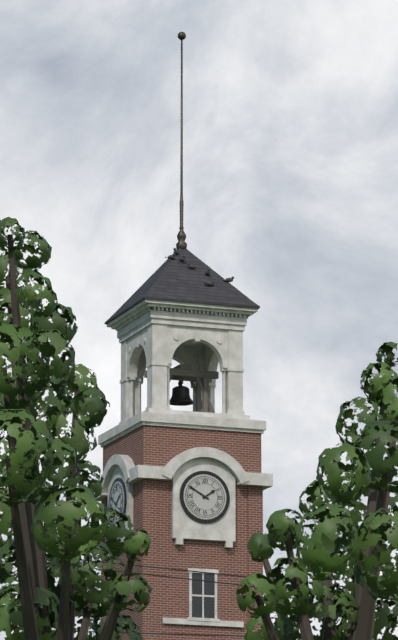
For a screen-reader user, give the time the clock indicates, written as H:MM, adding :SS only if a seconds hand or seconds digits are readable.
1:50
